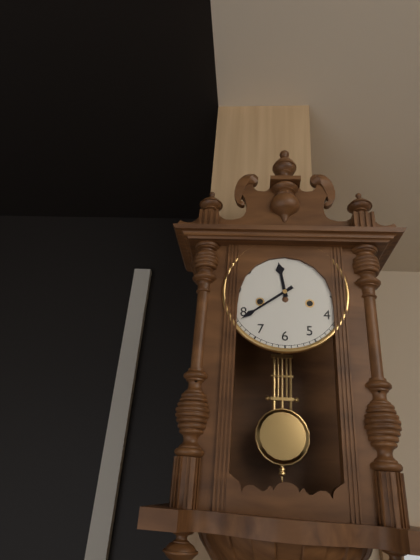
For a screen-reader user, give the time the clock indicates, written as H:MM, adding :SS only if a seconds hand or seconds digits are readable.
11:39
